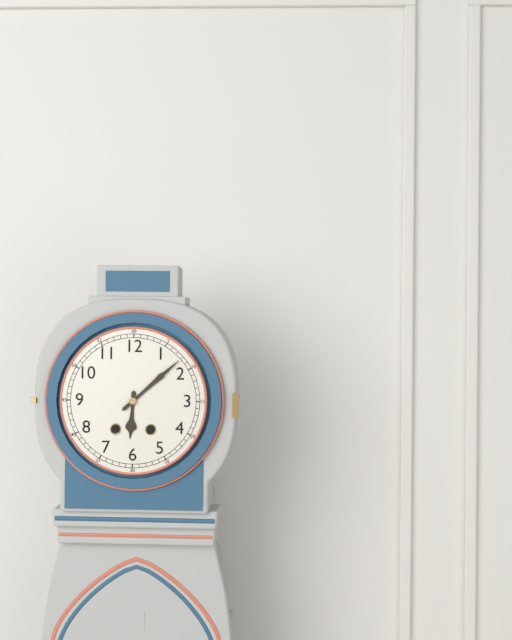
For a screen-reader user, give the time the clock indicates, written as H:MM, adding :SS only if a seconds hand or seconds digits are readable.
6:08
